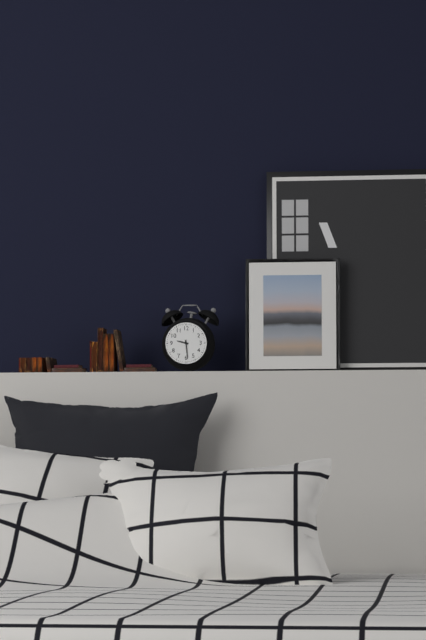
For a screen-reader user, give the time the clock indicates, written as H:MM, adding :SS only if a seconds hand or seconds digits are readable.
9:29
